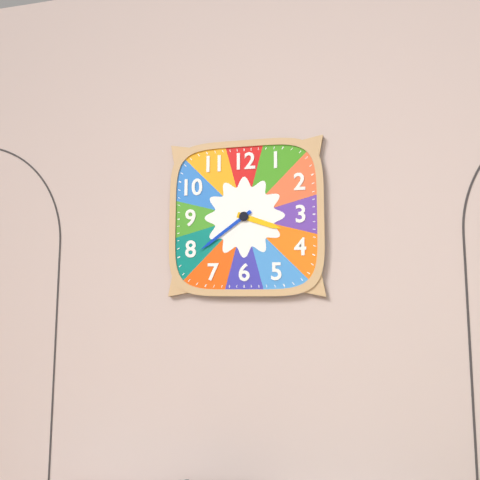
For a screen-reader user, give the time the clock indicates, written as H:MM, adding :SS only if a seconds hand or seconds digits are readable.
3:39
